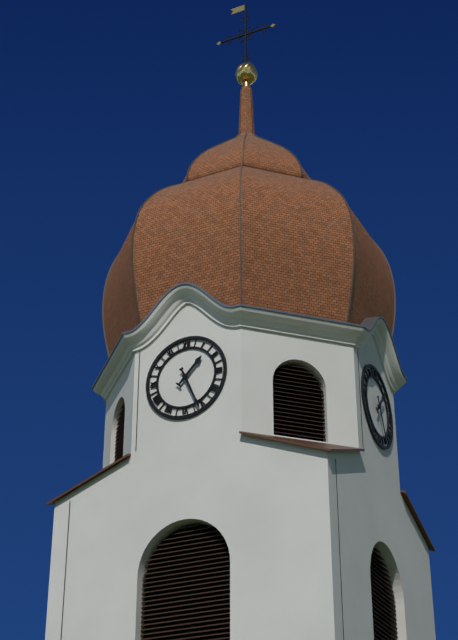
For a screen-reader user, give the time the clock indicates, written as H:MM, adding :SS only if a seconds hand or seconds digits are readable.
1:26
